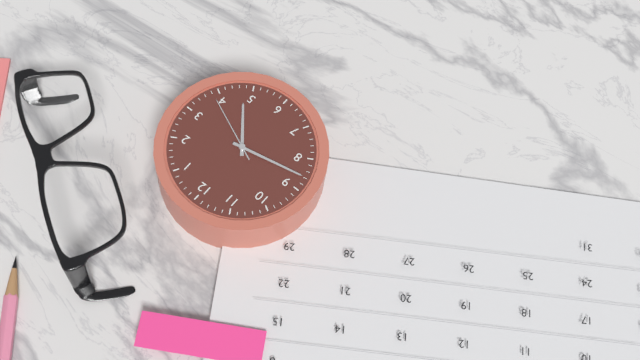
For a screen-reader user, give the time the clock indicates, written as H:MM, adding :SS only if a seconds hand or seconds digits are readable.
4:43:19
